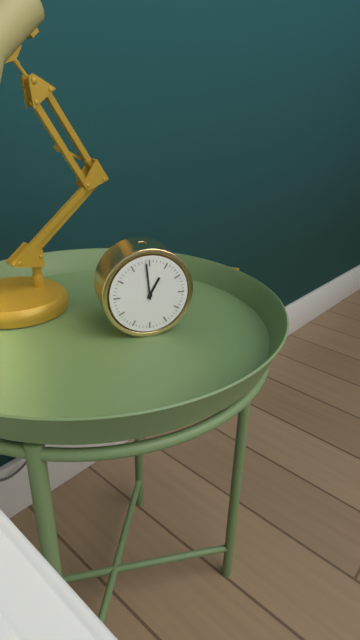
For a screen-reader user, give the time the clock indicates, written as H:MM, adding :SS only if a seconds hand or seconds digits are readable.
12:59
